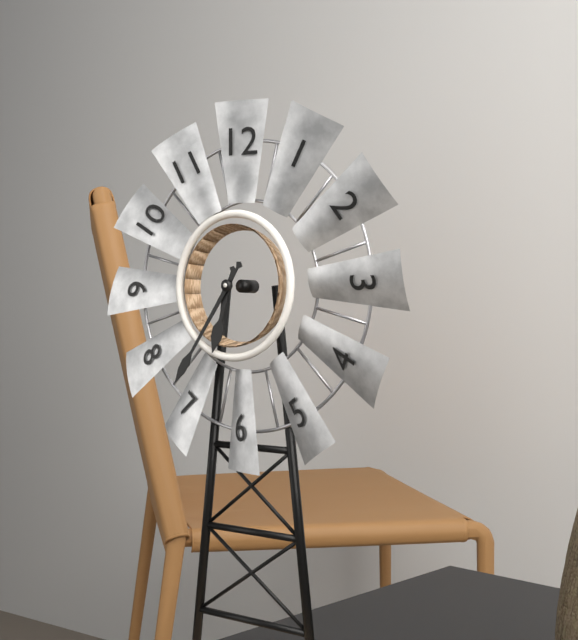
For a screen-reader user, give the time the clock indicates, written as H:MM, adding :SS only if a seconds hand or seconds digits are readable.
6:36
